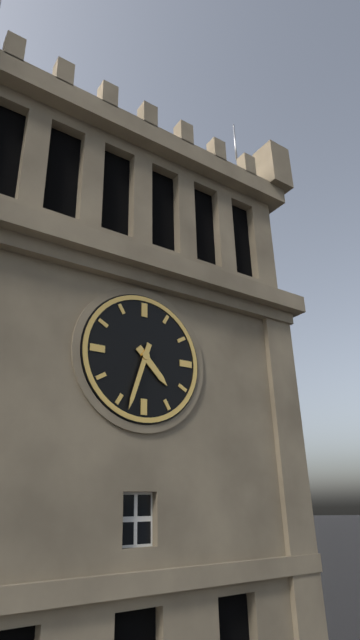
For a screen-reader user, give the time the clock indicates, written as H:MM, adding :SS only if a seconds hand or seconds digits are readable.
4:33
